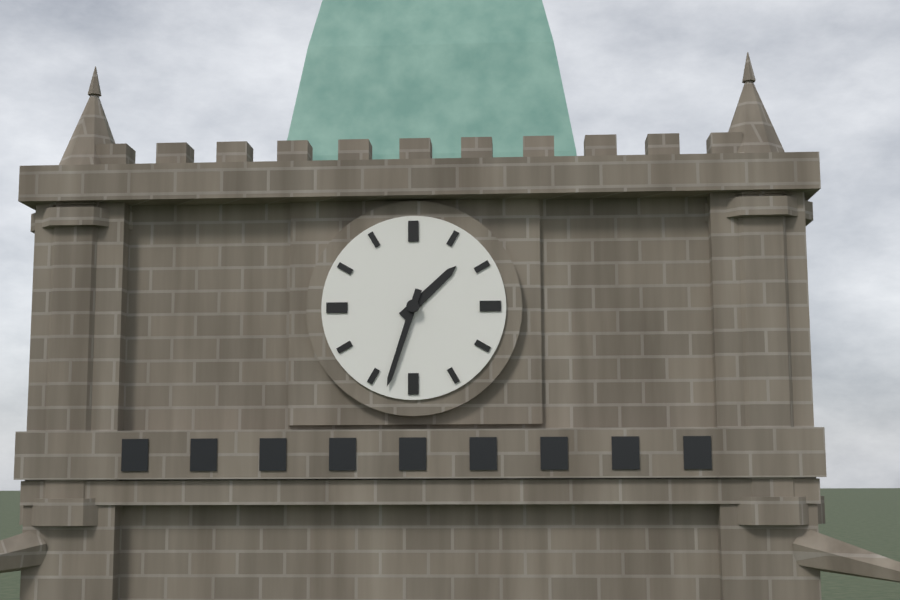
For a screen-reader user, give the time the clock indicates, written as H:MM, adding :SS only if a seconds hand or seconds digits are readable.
1:33
